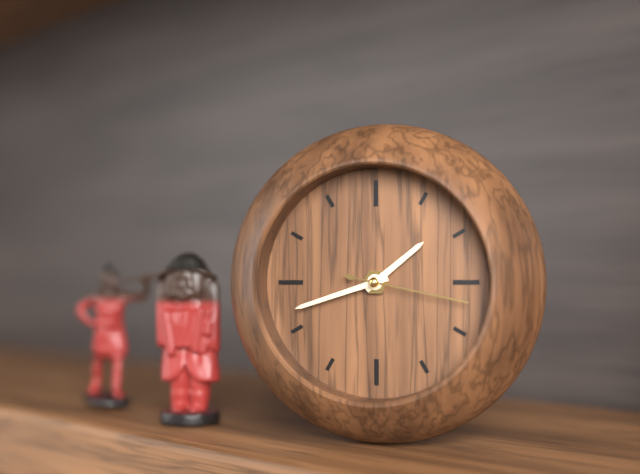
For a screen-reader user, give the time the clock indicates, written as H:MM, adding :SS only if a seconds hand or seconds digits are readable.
1:42:17
